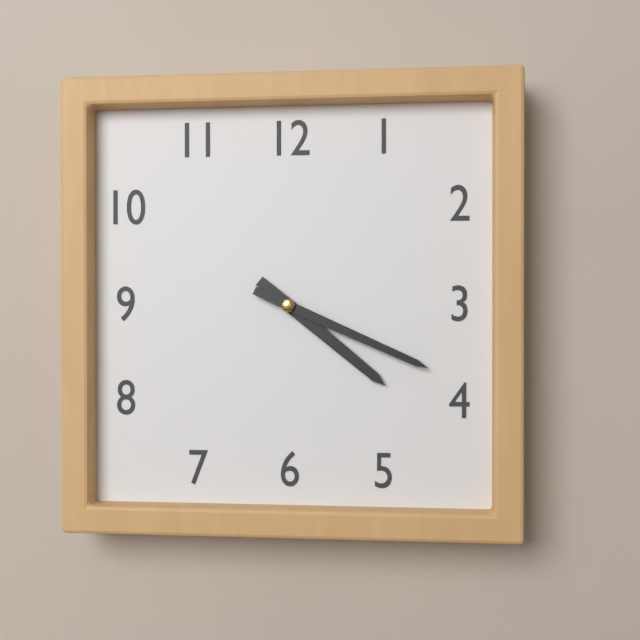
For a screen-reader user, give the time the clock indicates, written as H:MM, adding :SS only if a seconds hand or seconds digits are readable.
4:19
